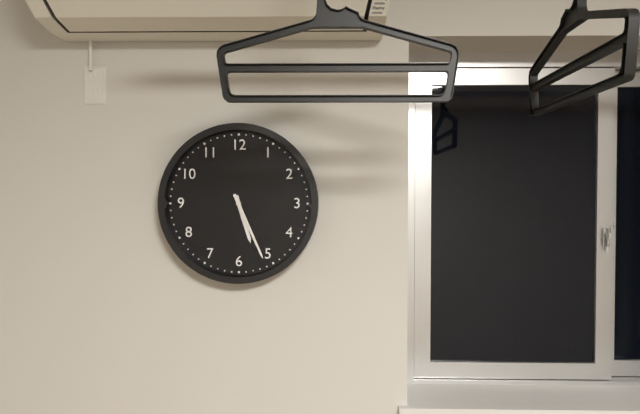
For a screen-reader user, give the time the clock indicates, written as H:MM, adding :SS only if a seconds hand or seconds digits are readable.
5:26
